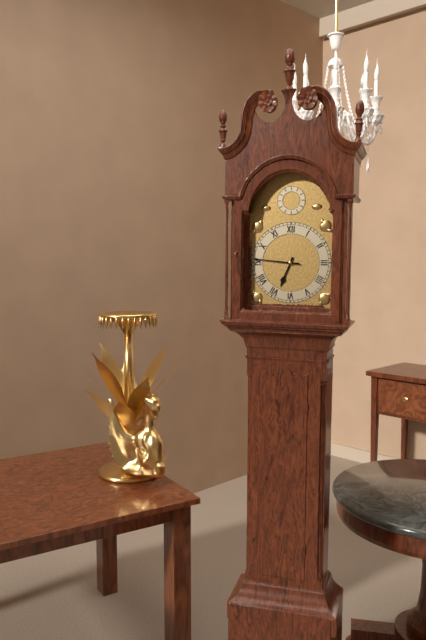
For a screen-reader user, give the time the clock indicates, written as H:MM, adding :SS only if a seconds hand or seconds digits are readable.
6:46
